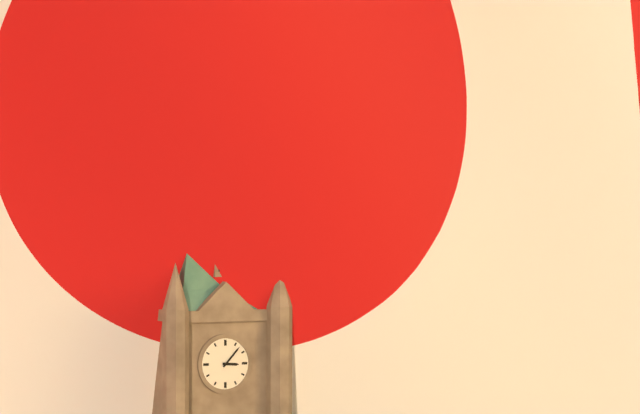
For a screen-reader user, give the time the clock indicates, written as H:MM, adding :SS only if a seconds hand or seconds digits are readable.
3:07
